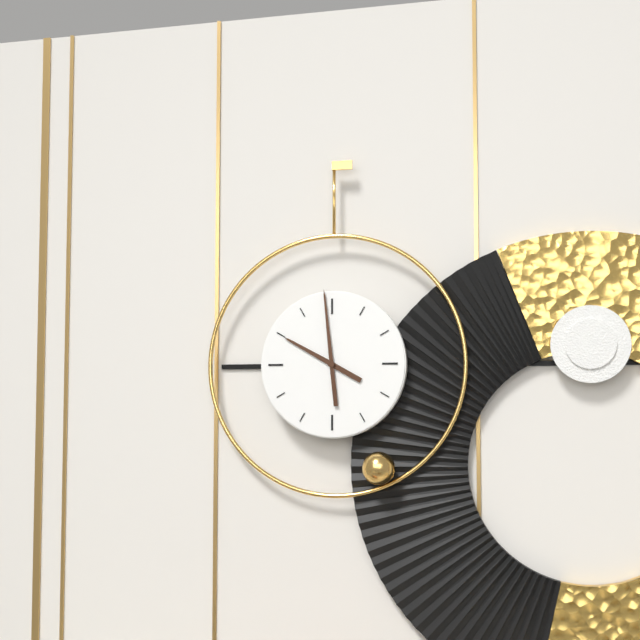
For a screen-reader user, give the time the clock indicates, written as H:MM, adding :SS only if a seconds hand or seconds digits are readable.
9:59
